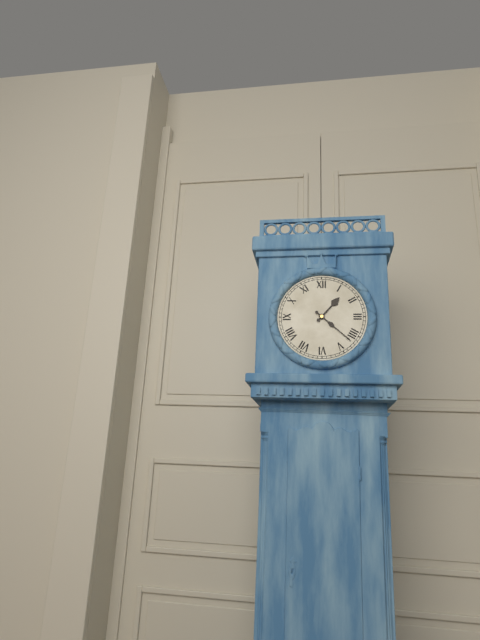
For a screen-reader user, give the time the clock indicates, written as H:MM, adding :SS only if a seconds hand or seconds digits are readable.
1:22
